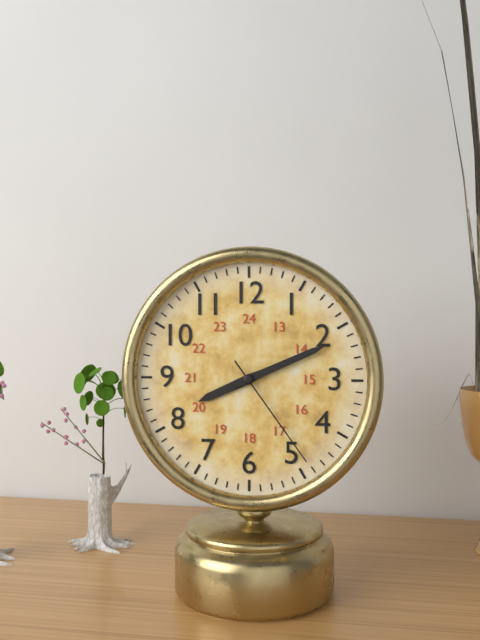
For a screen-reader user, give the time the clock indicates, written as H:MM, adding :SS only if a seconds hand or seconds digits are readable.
8:11:24
